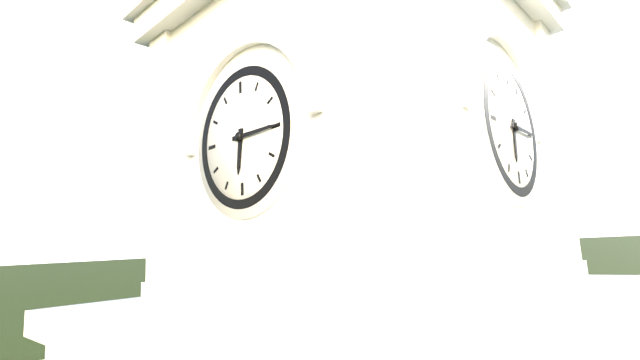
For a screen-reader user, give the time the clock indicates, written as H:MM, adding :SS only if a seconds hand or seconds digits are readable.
6:15
